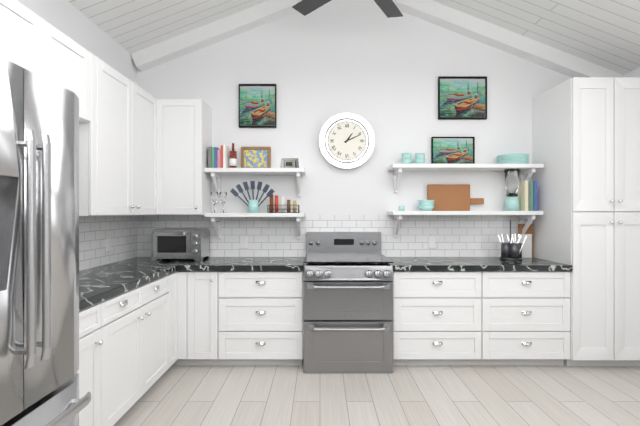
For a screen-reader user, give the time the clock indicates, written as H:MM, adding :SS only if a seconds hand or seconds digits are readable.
1:11
